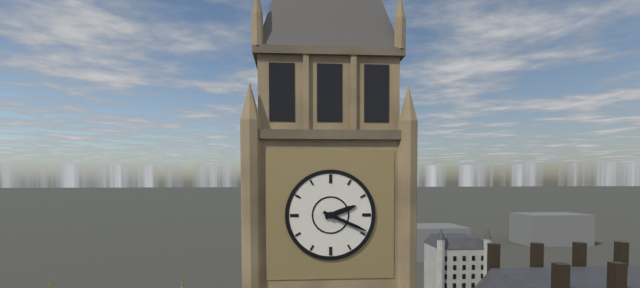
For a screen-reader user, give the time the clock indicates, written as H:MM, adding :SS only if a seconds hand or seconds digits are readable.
2:19
